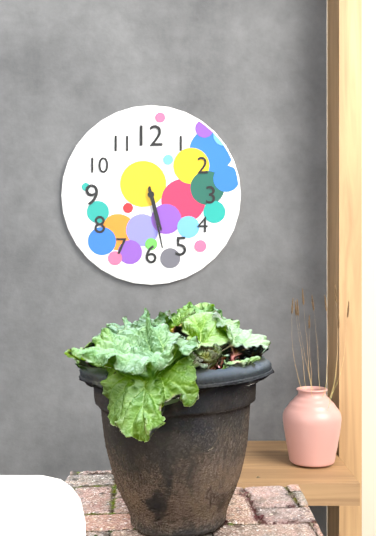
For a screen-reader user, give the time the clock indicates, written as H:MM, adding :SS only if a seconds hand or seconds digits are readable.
5:28
